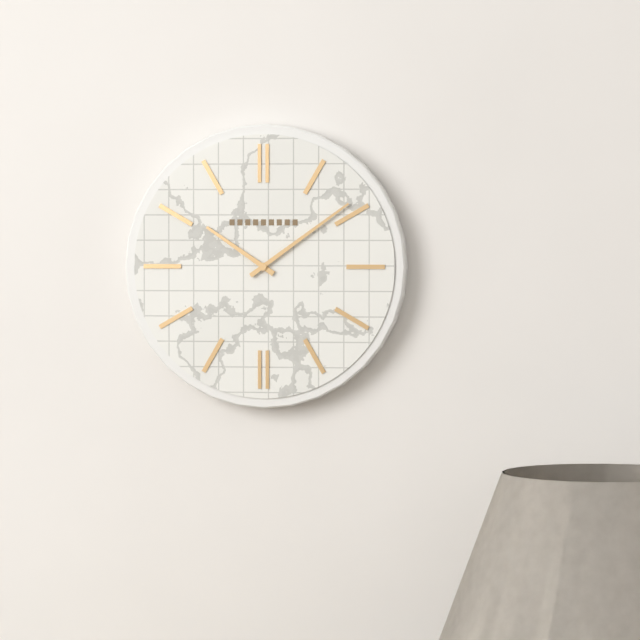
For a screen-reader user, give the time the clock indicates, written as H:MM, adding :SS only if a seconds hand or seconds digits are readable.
10:09
